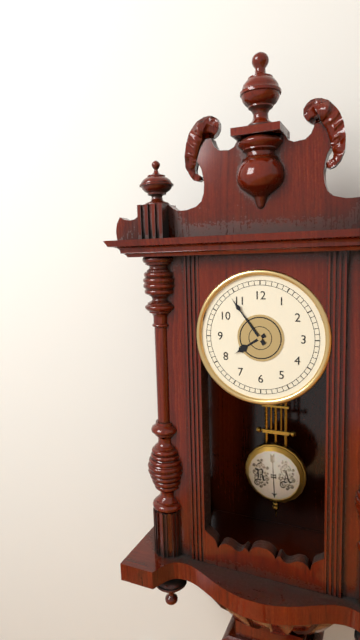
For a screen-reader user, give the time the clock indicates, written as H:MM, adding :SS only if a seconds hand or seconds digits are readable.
7:54
